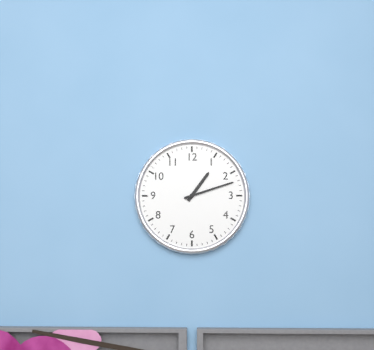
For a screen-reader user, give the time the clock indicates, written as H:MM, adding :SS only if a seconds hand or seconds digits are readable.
1:12
